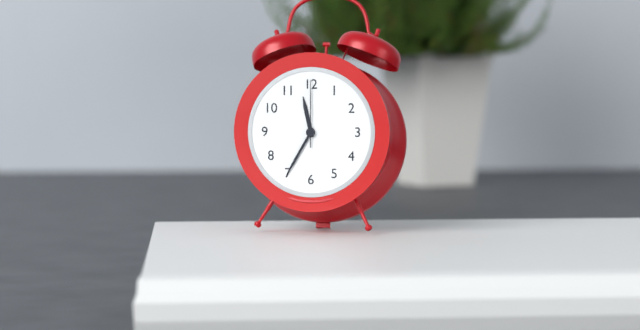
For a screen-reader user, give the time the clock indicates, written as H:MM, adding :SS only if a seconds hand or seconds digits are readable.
11:35:00
